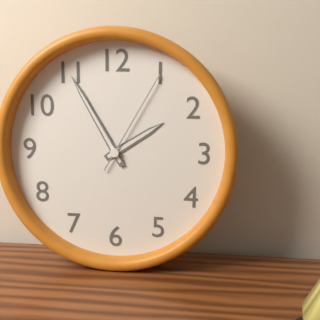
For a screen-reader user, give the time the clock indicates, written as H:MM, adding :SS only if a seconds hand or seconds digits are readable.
1:55:05
